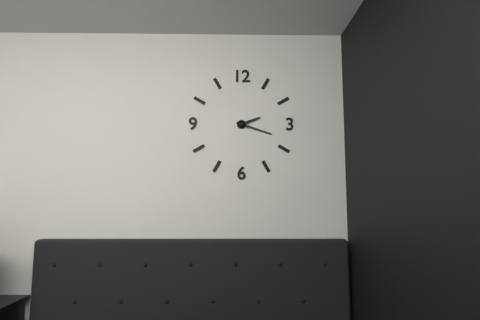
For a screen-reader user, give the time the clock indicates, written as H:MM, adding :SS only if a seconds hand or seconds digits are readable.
2:18
